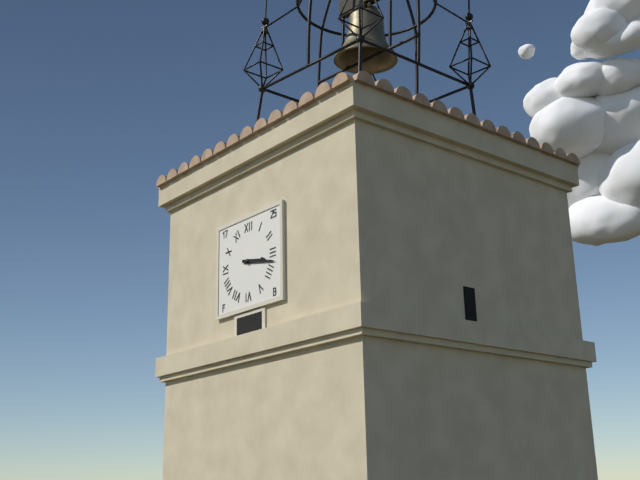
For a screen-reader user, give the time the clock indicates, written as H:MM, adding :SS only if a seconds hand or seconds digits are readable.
3:17
